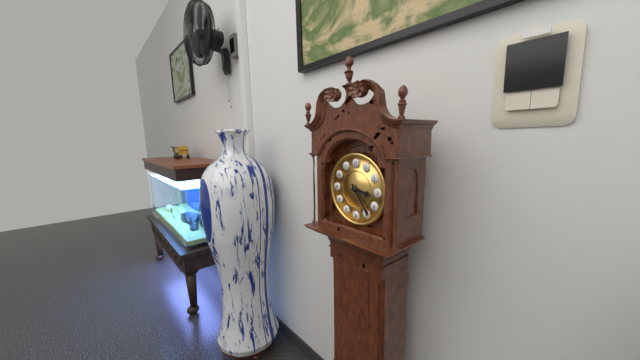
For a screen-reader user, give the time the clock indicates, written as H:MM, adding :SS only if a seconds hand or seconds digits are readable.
3:24
